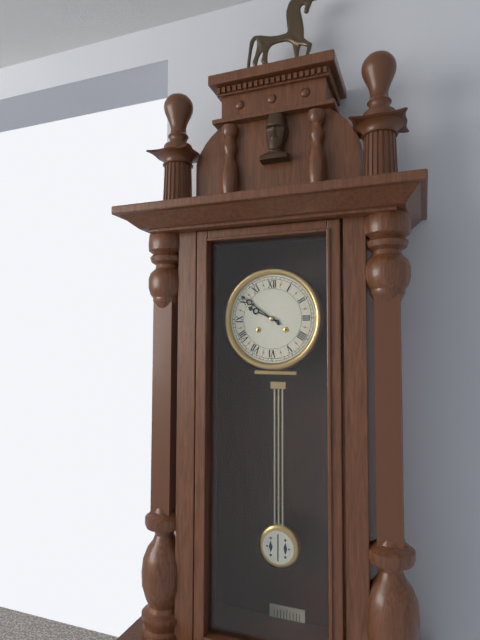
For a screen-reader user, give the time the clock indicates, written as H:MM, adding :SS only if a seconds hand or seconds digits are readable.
9:51
